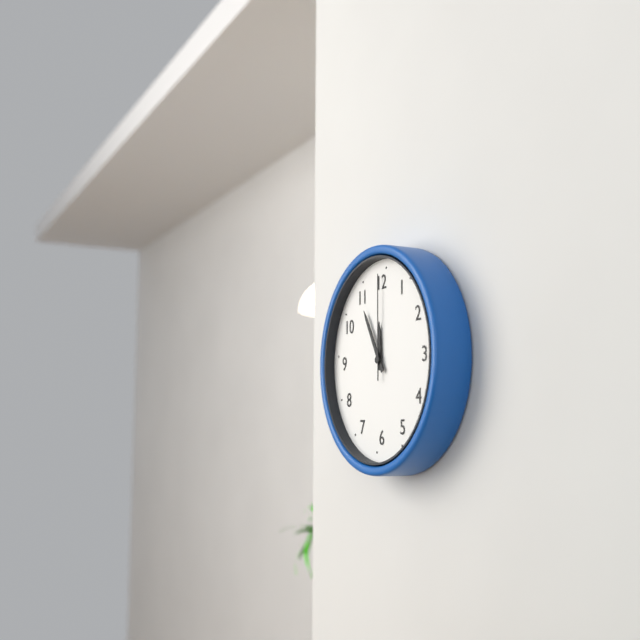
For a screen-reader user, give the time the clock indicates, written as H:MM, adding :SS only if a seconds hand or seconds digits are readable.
11:55:00
